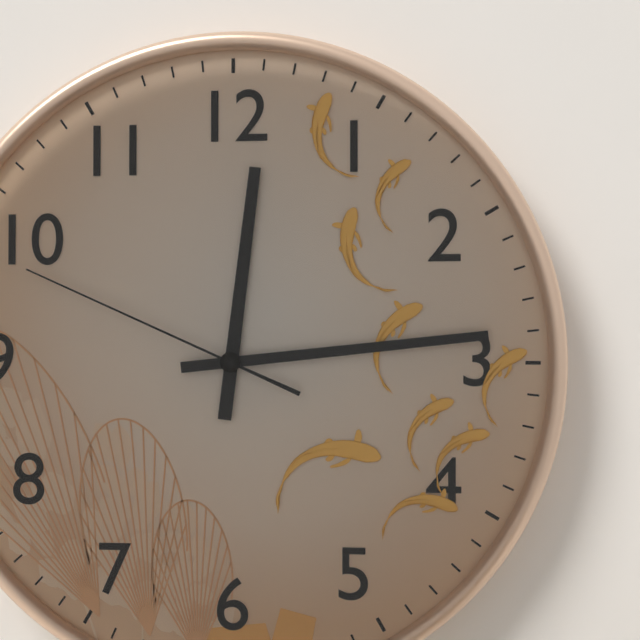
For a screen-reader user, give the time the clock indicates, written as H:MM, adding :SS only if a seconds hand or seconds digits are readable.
12:14:49
